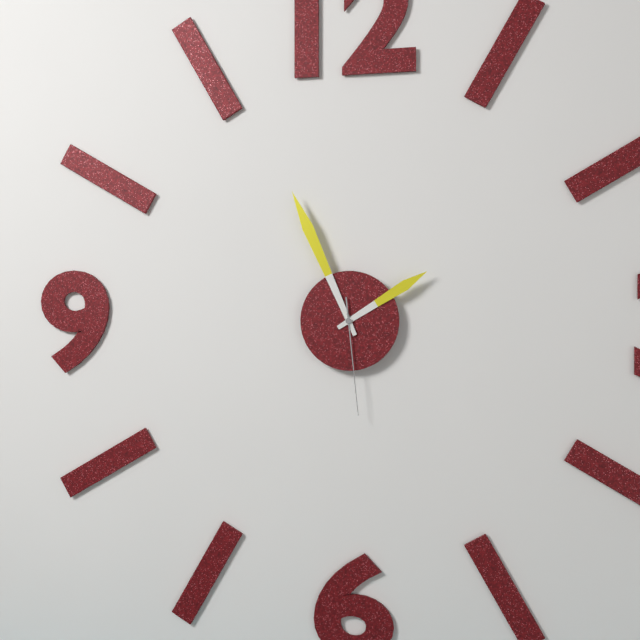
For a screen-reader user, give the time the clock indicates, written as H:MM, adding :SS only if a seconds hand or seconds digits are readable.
1:56:29
